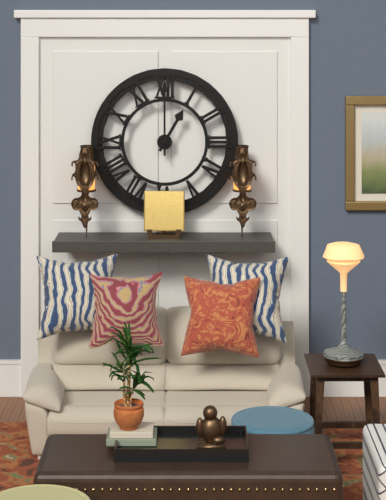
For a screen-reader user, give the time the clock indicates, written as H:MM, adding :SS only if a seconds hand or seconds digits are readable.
1:00
